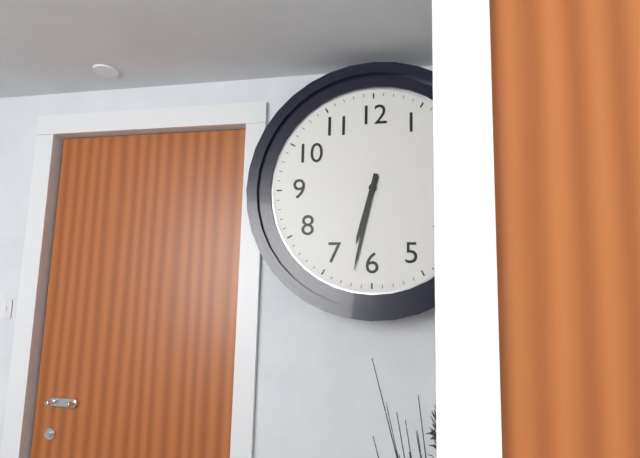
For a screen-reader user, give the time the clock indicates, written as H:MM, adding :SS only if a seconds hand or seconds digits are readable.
6:32
